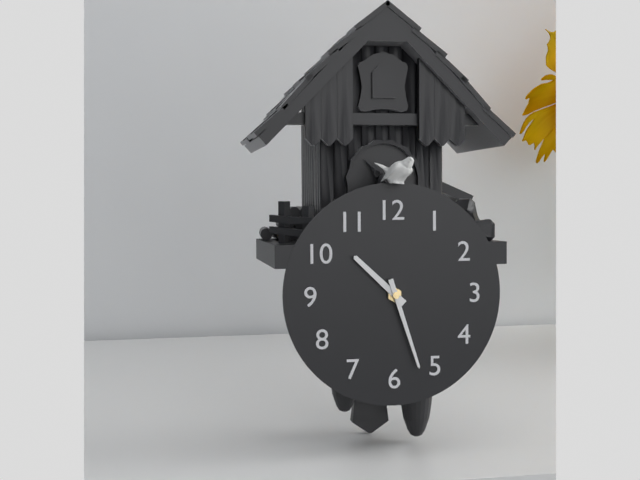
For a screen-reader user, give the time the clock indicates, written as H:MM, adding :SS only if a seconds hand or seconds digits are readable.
10:27
